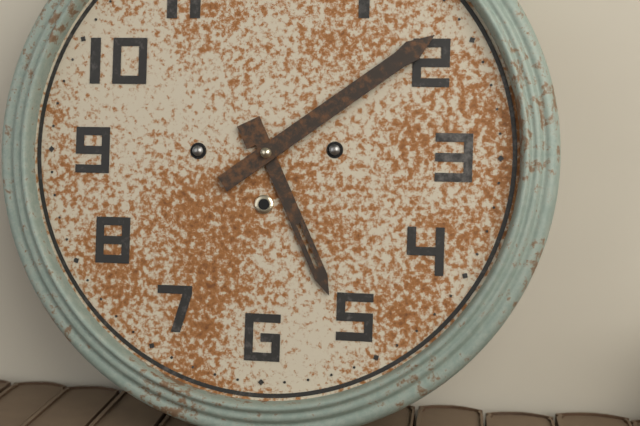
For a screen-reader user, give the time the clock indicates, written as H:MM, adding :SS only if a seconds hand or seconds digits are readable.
5:09
